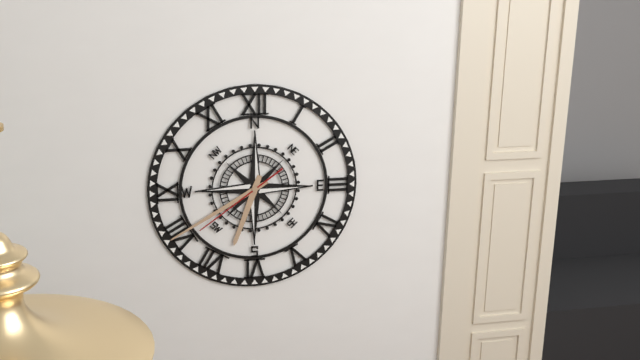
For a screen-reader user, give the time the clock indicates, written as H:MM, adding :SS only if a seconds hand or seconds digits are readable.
6:40:39
